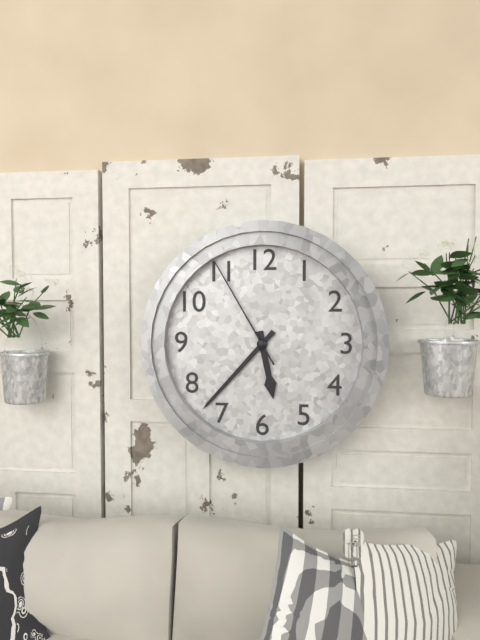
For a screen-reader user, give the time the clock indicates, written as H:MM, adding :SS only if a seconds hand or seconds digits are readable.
5:37:55
